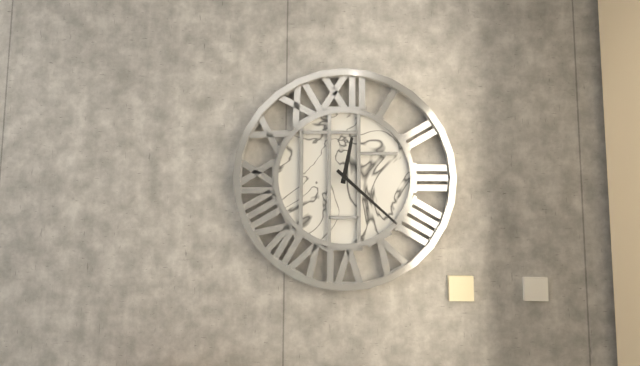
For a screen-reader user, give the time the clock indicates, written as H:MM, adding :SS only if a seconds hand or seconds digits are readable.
12:22
